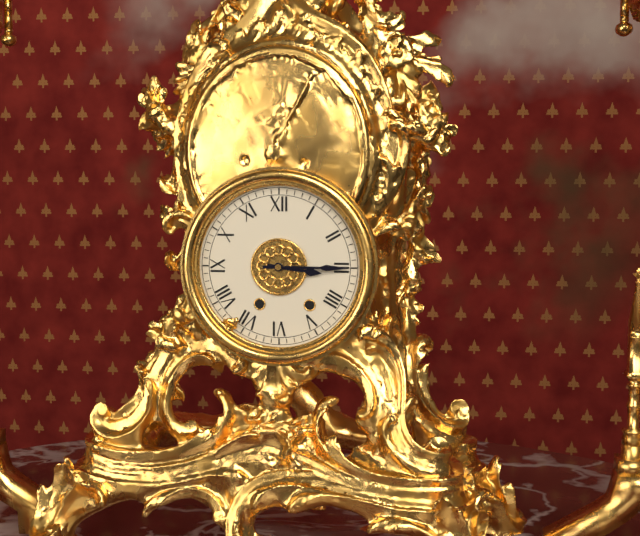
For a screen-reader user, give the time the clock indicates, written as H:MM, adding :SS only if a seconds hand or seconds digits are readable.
3:15
